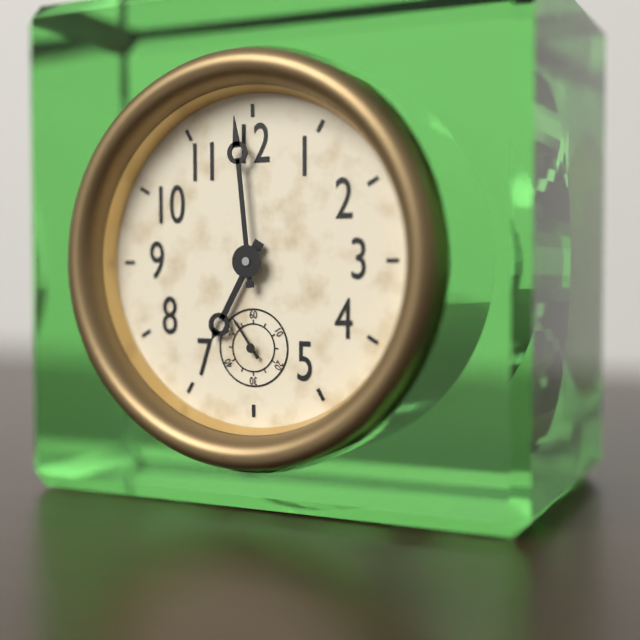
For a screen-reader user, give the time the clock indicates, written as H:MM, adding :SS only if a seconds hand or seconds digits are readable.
6:59
